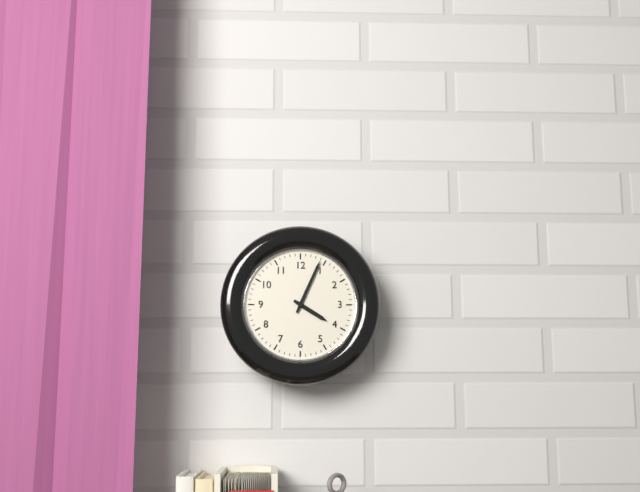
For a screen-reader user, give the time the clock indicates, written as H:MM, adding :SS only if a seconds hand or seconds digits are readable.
4:04
